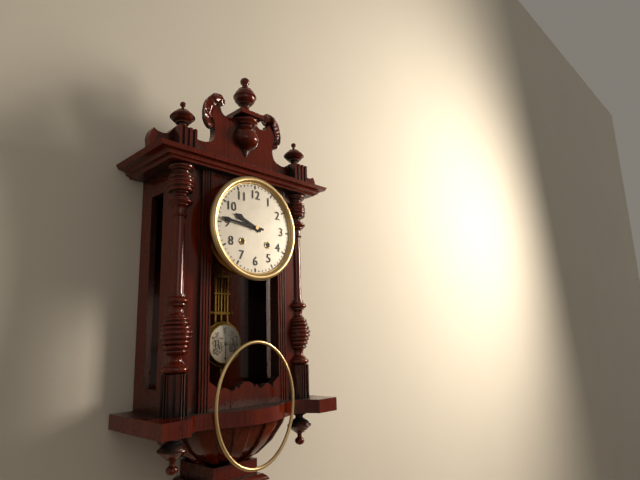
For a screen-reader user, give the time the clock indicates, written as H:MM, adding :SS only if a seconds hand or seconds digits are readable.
9:46
